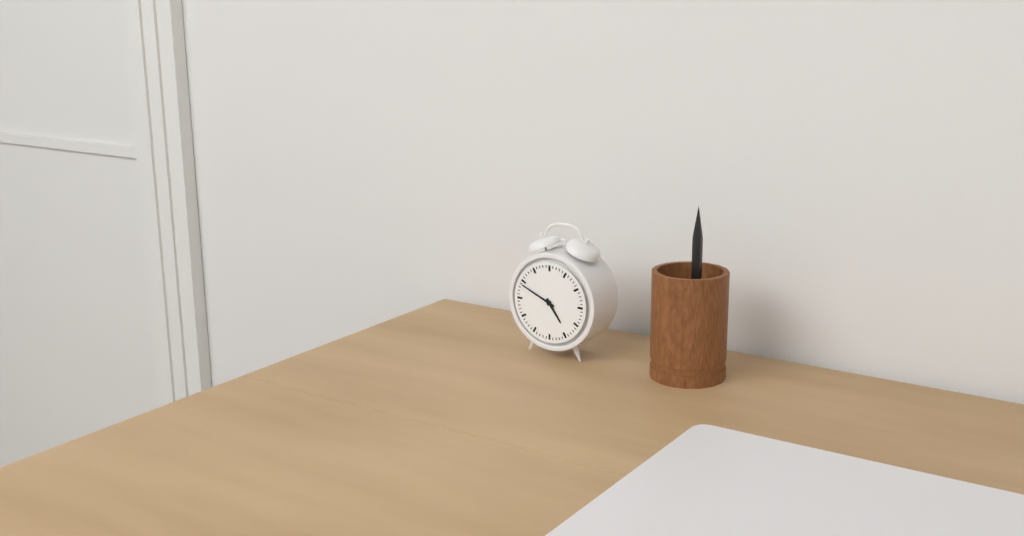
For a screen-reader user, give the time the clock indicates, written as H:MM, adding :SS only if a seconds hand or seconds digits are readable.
4:49
